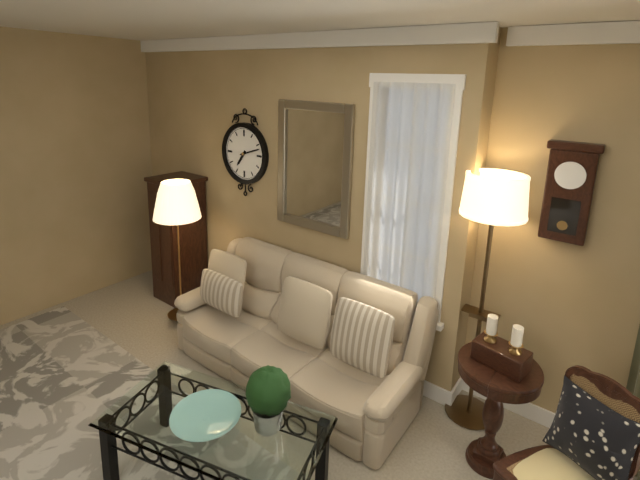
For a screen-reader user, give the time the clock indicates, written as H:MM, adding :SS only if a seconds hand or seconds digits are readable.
7:12
